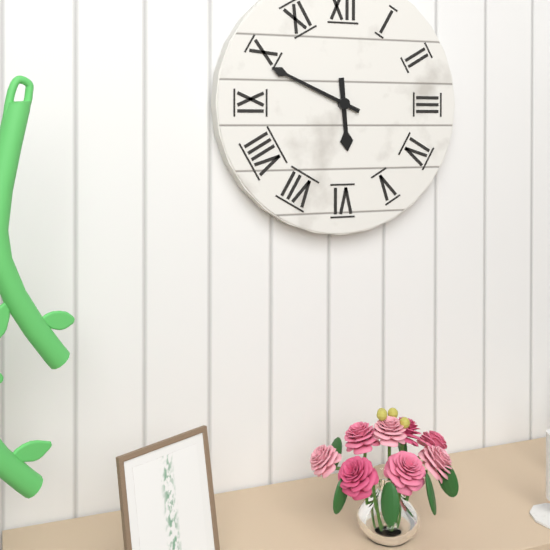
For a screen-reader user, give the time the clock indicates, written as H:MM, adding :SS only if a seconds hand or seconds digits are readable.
5:49
